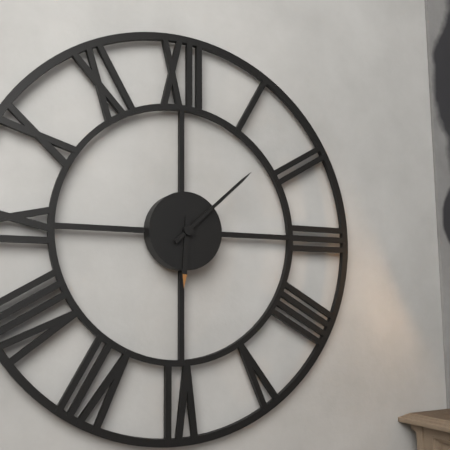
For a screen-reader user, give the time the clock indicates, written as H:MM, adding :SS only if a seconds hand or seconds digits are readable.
6:08
